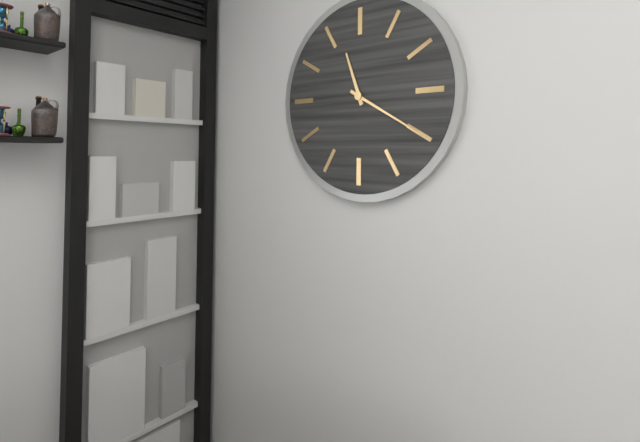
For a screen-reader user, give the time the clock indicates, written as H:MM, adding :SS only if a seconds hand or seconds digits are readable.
11:20
